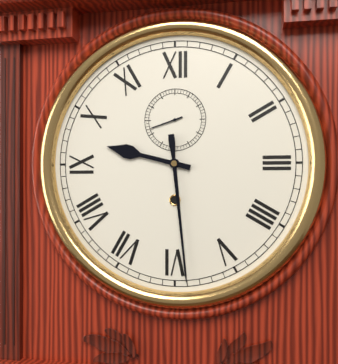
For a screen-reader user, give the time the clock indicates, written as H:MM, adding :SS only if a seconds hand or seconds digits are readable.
9:29
